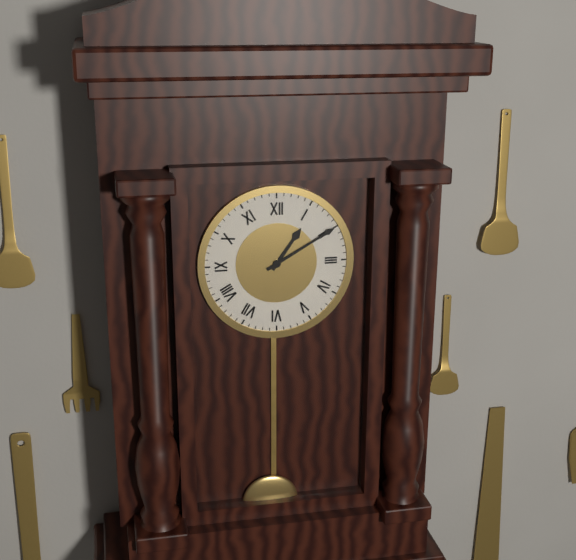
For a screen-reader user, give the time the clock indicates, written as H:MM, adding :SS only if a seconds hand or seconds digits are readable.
1:10
